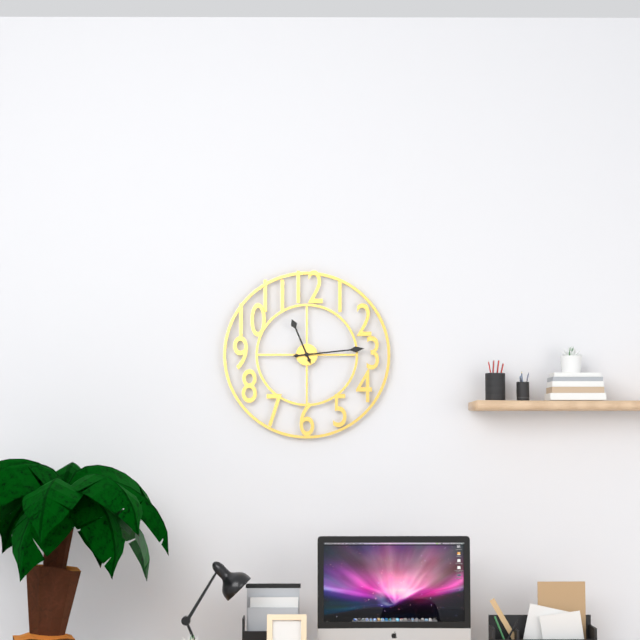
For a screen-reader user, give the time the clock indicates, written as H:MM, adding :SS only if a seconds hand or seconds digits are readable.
11:14
